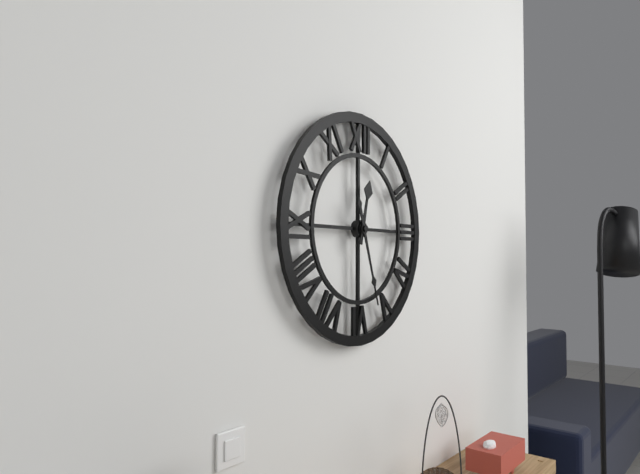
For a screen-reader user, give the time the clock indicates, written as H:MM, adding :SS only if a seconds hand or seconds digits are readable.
12:27
